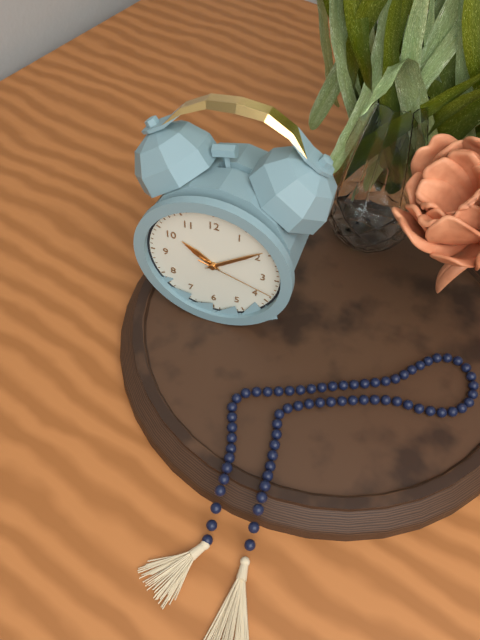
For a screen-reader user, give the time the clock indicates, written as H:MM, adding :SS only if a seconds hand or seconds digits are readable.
10:09:18
